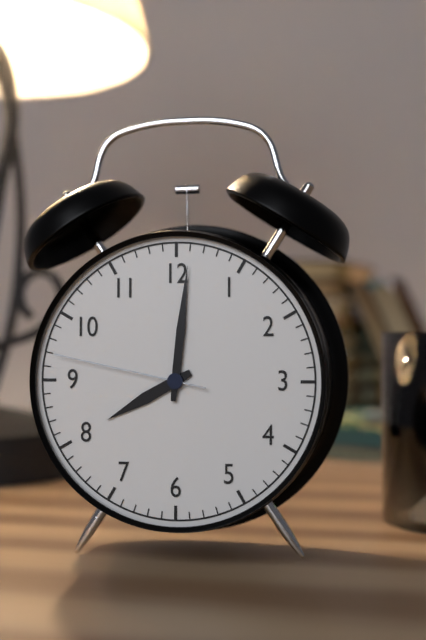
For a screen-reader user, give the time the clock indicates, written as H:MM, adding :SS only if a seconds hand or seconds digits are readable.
8:01:47
